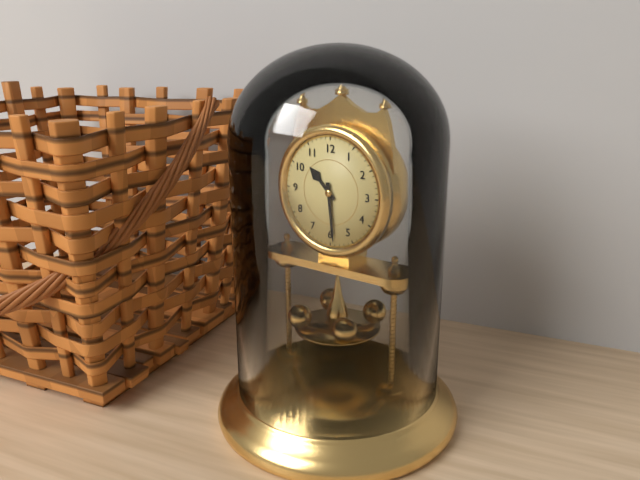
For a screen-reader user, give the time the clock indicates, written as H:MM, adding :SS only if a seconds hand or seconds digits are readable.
10:29
